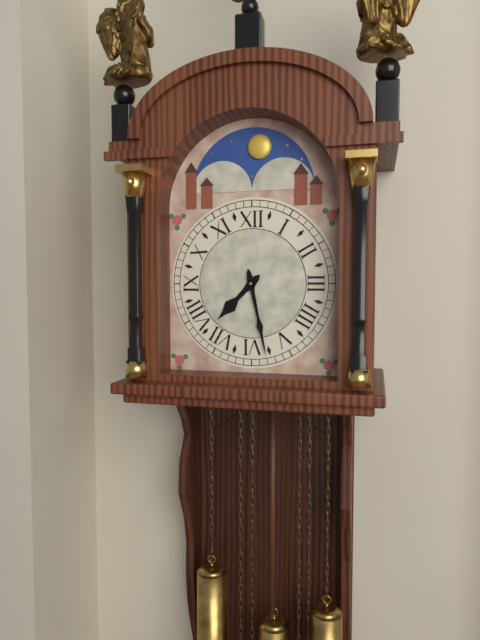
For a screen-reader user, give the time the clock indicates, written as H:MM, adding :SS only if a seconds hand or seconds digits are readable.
7:28
